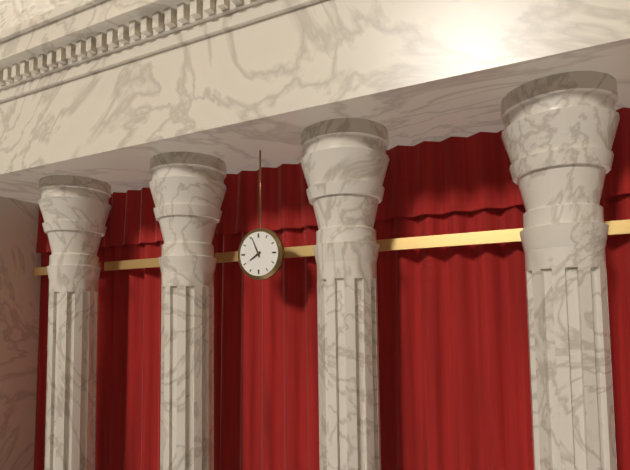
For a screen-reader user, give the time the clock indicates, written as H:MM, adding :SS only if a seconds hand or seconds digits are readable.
7:56
